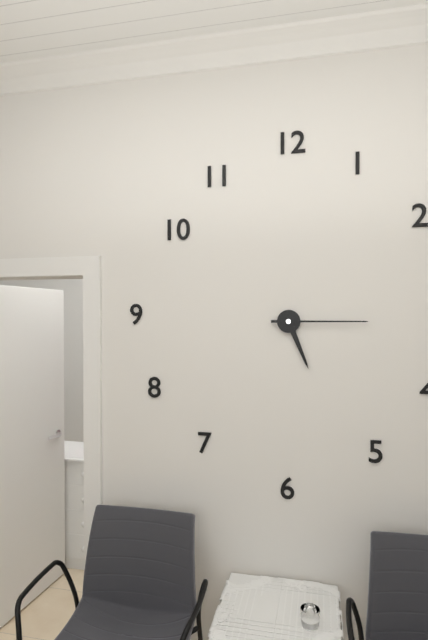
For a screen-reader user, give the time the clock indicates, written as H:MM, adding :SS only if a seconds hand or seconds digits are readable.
5:15
